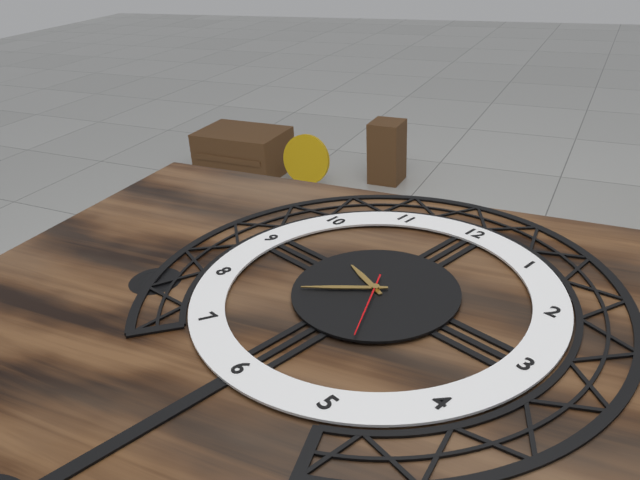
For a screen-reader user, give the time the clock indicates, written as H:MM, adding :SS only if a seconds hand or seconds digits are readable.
9:38:25
